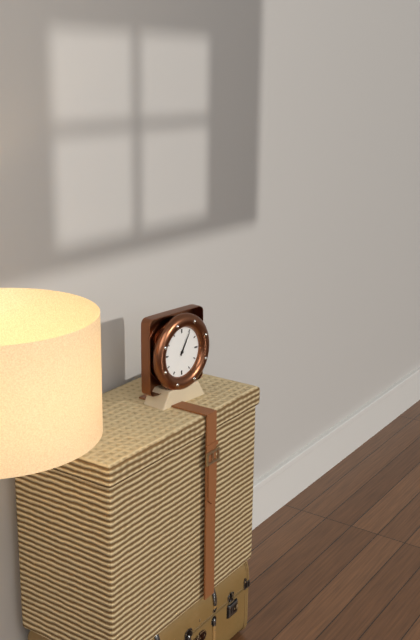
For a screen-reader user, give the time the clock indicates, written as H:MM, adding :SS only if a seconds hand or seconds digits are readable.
1:05
